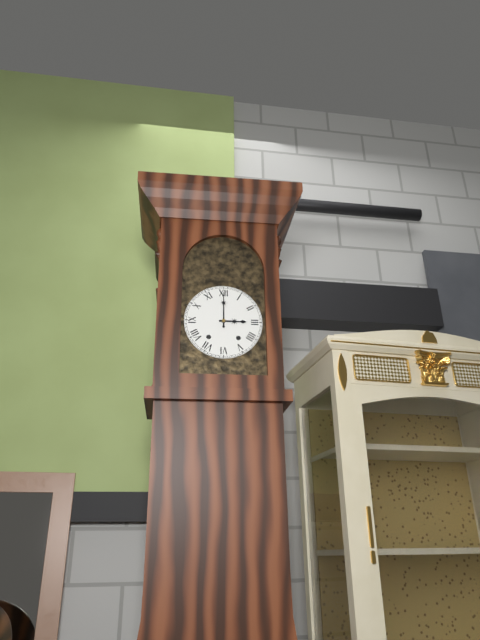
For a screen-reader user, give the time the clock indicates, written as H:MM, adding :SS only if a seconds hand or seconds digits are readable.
3:00
